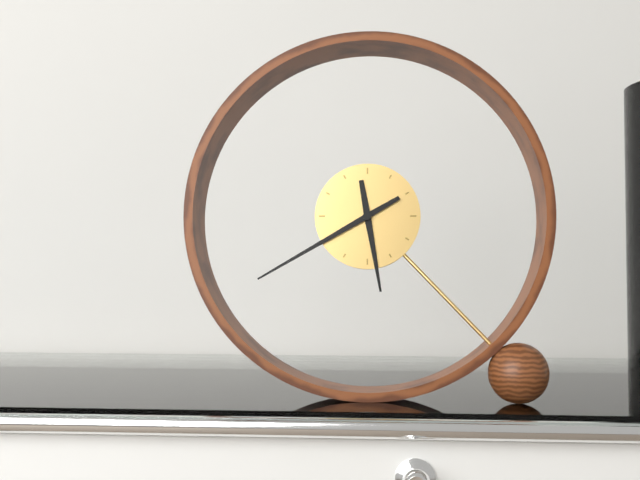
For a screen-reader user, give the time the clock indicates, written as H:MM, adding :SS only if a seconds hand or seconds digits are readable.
5:40
